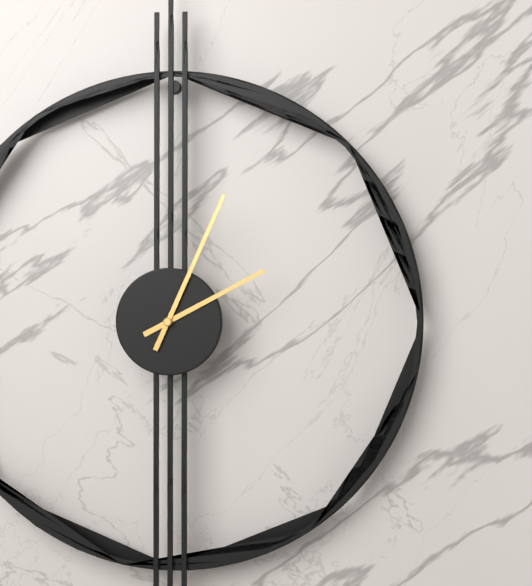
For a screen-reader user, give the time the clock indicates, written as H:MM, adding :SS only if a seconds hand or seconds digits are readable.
2:04
